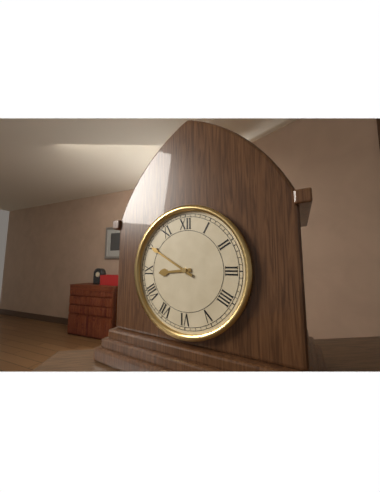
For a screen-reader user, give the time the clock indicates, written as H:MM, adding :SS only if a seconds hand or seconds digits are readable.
8:50
